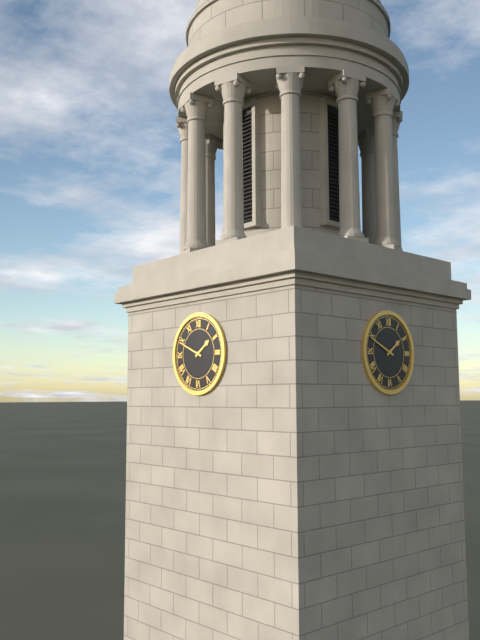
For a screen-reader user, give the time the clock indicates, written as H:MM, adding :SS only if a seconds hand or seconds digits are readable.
1:49
